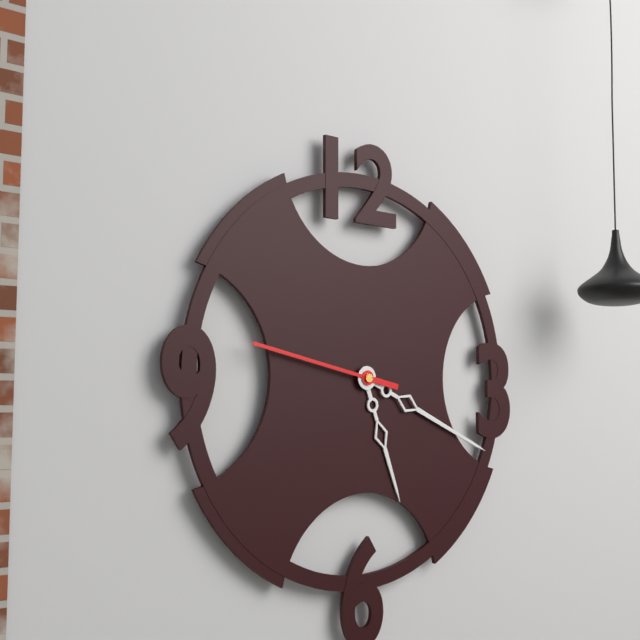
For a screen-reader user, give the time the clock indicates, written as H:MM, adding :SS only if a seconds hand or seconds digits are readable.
5:19:47
